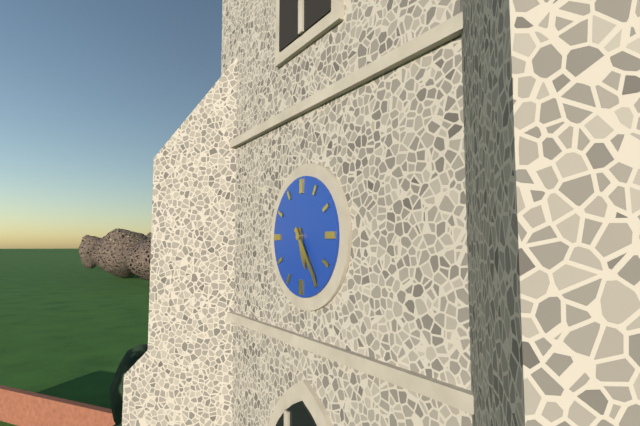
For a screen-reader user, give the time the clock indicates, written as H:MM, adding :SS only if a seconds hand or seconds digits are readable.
5:24
